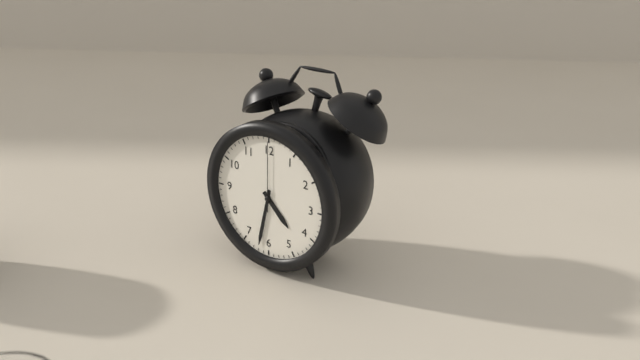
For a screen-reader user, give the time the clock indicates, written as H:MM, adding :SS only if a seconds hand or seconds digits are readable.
4:32:00
